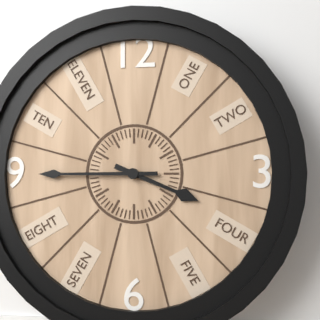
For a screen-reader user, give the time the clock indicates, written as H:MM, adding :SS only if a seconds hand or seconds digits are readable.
3:45
